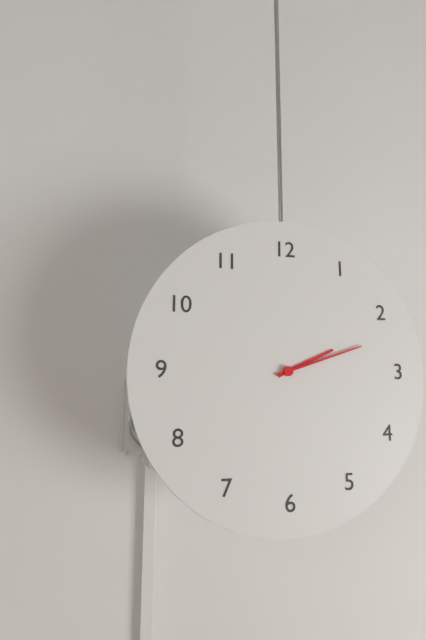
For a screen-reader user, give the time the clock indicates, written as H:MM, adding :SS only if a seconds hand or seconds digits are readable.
2:12
